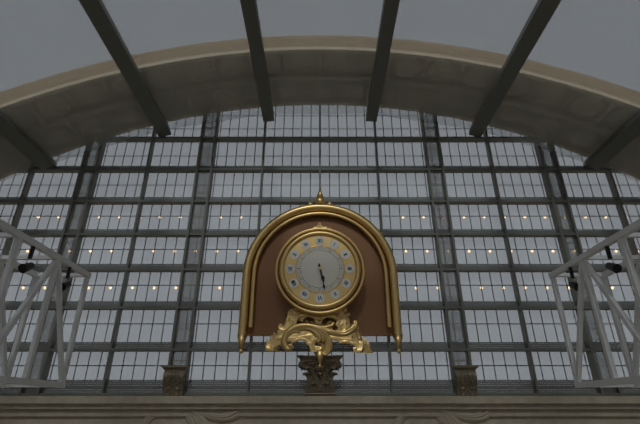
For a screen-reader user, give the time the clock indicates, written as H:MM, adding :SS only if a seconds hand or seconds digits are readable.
5:28
